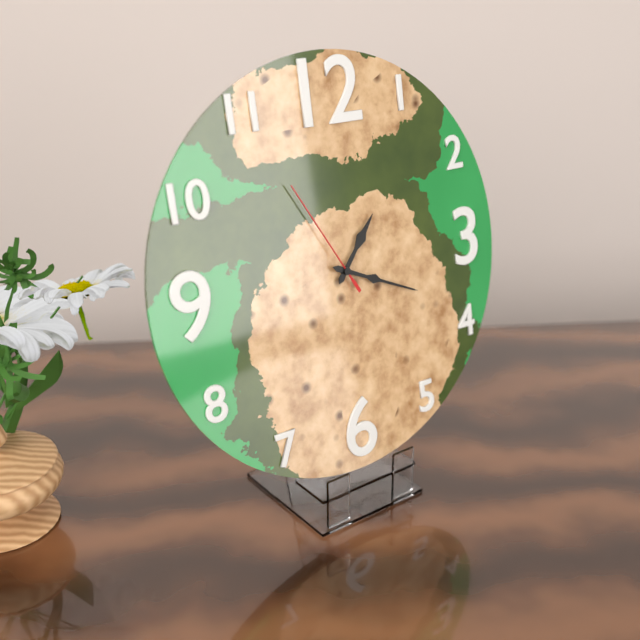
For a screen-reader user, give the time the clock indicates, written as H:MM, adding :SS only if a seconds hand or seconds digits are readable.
1:19:55
